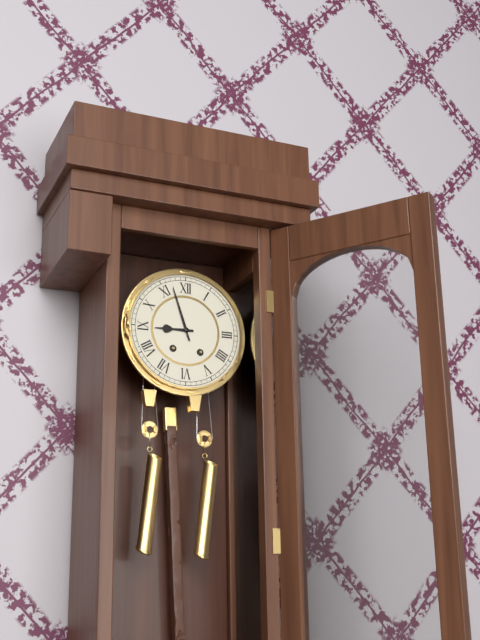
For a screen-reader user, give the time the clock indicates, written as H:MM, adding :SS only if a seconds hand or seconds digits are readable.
8:57
